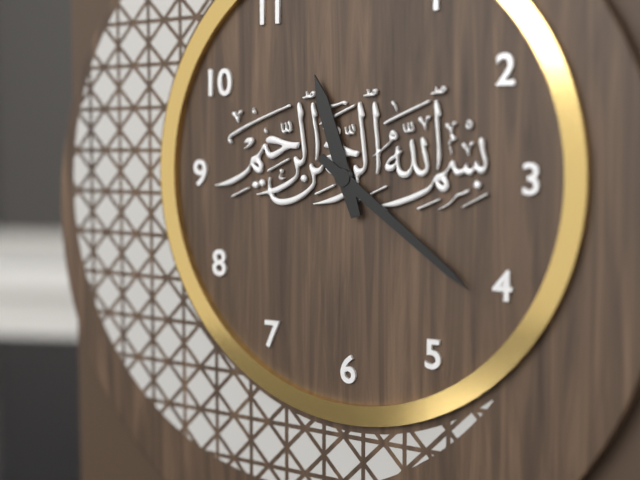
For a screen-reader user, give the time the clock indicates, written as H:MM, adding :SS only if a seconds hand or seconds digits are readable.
11:21
